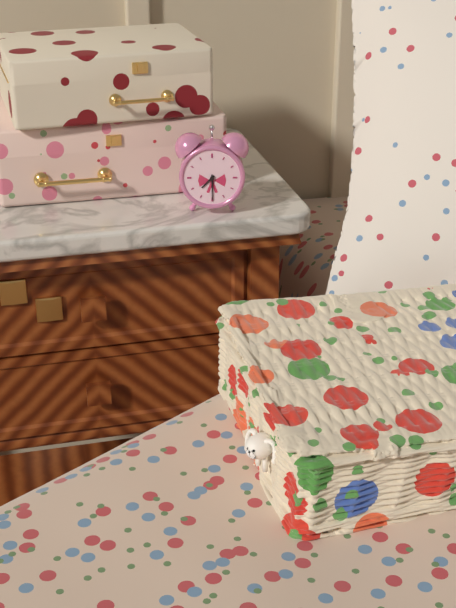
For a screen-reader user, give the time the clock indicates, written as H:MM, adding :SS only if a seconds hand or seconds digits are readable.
7:30
